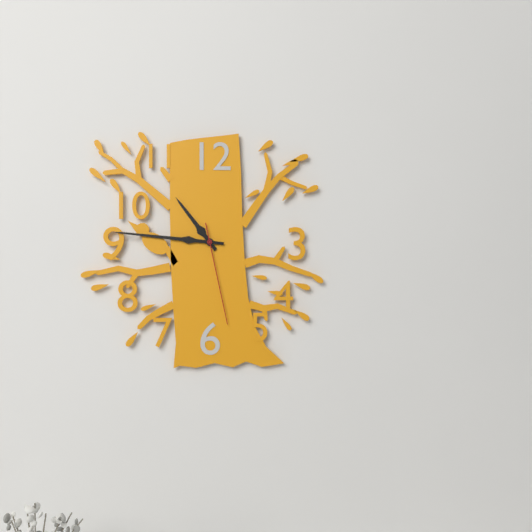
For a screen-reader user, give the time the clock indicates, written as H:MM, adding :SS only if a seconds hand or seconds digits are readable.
10:46:28
